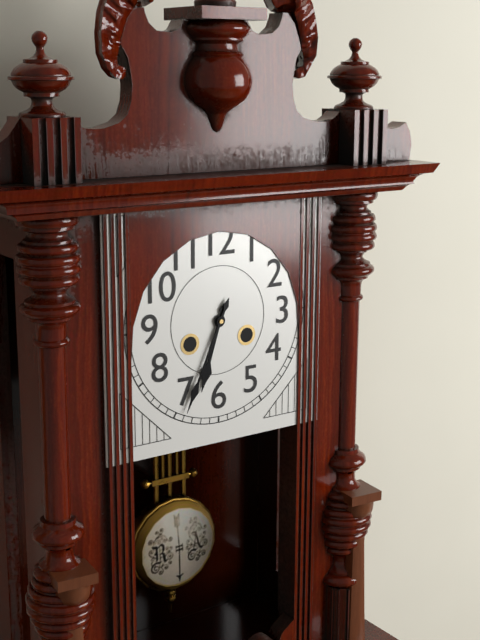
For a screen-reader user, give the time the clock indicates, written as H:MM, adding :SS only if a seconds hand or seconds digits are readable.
6:34
